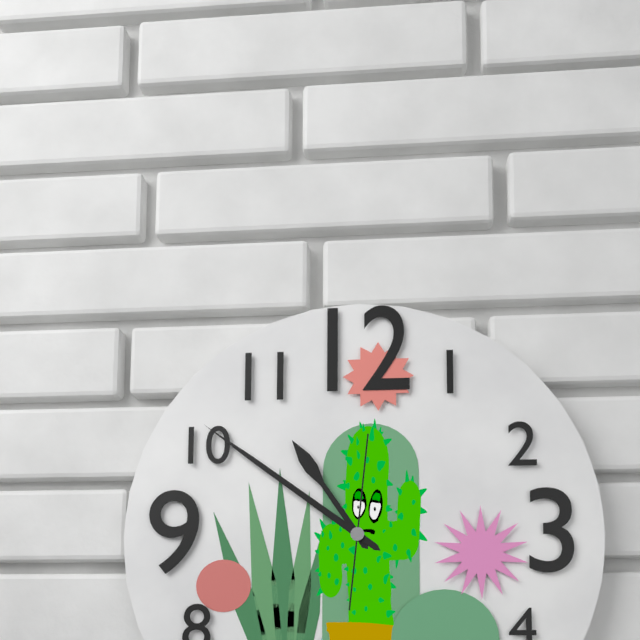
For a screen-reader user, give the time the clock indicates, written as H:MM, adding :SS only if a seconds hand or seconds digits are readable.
10:51:01
